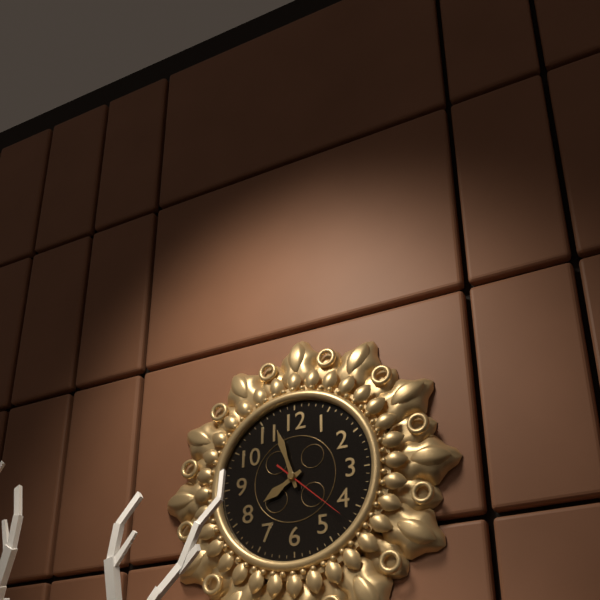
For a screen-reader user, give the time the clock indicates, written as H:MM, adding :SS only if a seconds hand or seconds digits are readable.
7:57:22
